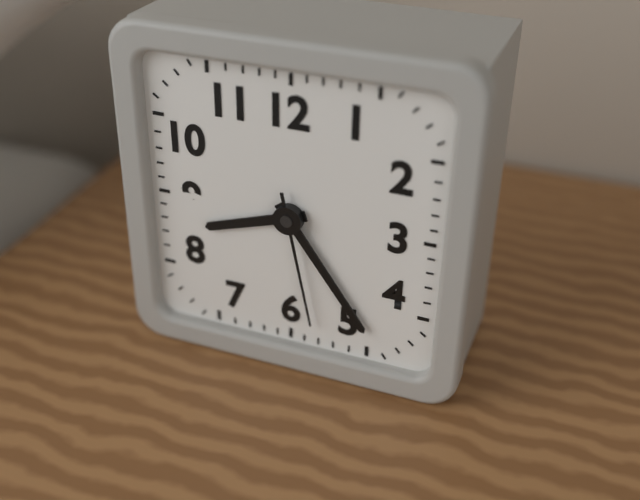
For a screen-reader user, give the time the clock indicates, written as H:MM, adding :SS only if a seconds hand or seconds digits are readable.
8:24:28
